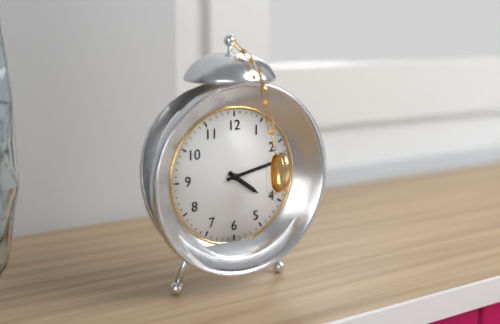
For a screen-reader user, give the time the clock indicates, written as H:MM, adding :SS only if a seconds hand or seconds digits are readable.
4:13
